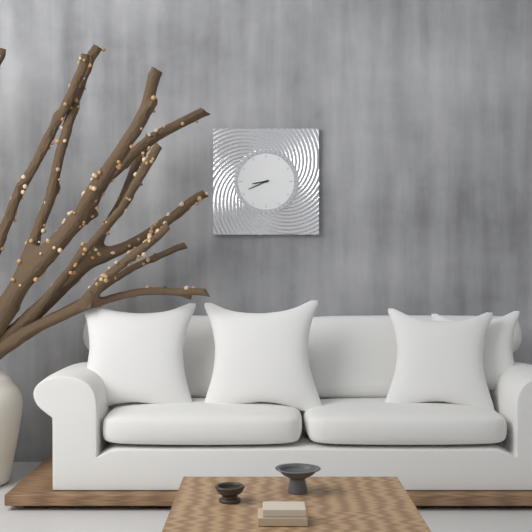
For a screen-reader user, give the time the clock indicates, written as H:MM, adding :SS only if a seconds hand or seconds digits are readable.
8:41
